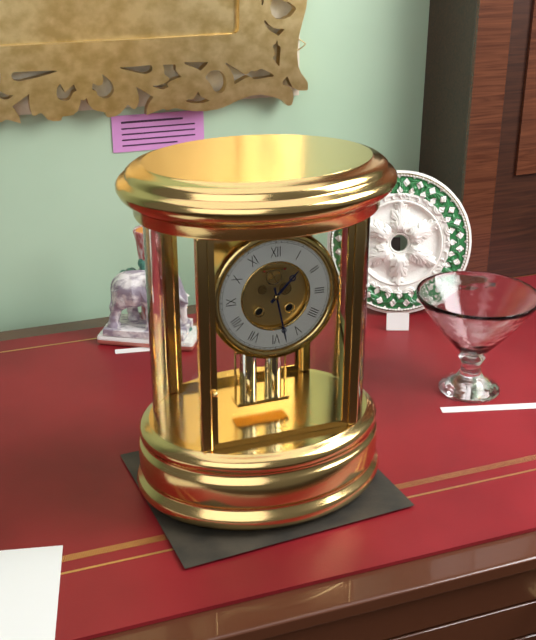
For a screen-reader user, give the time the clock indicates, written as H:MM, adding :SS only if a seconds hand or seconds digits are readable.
1:28
